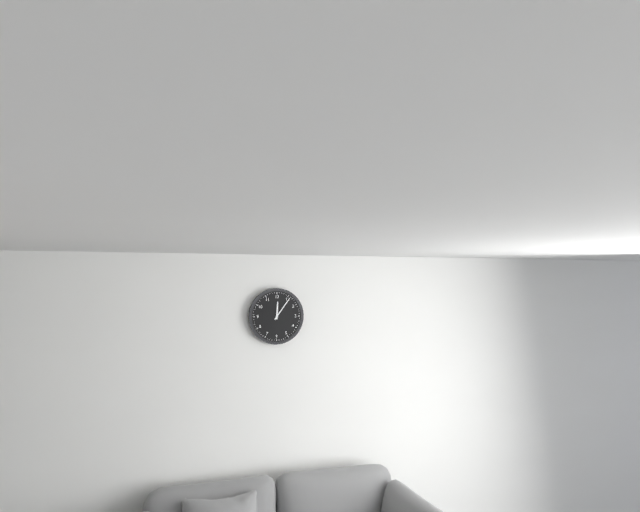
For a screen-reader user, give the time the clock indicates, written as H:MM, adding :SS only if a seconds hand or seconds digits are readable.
12:06
